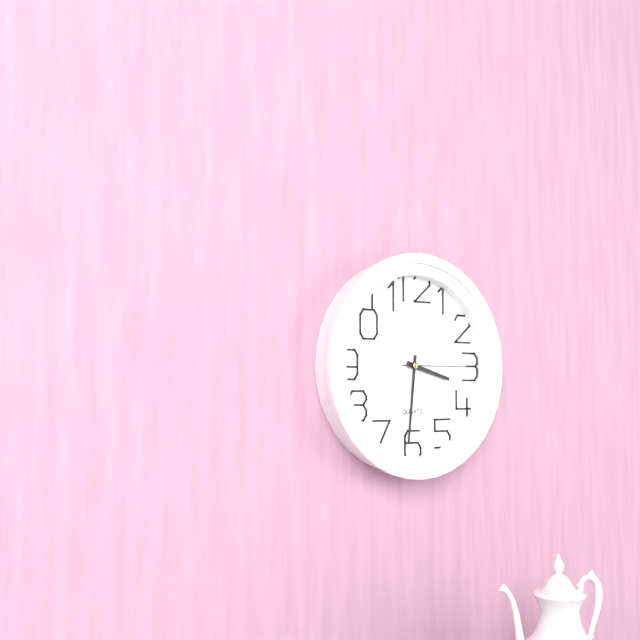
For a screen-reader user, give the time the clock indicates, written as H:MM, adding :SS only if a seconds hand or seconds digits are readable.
3:31:15
